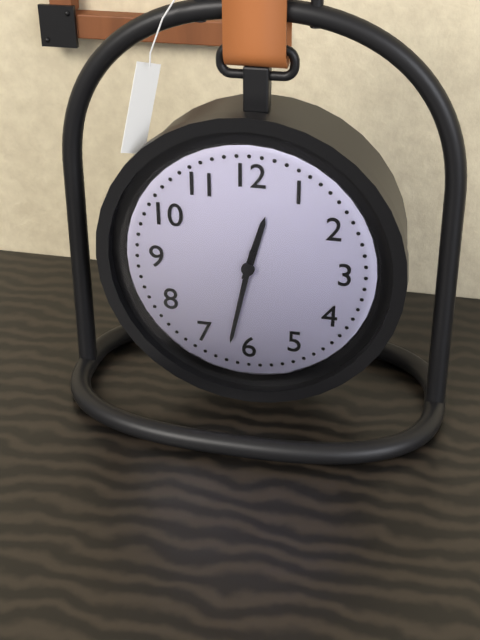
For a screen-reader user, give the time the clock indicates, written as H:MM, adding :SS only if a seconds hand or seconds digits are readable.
12:32
